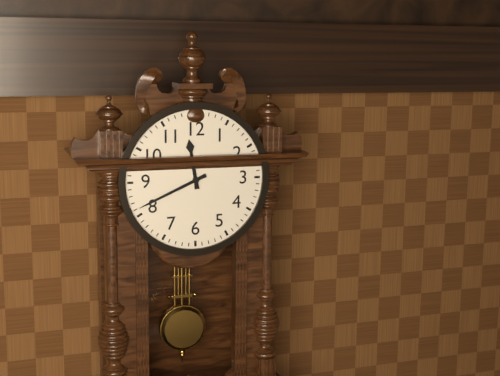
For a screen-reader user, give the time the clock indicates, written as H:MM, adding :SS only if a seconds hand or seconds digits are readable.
11:41
